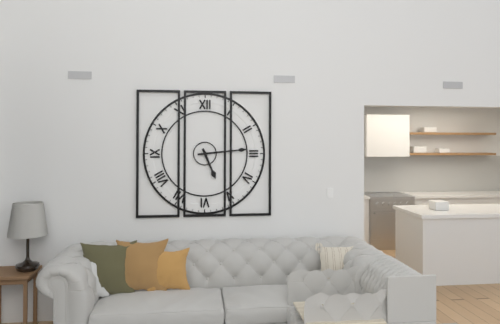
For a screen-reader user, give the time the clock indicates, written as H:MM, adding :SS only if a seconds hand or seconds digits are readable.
5:14
